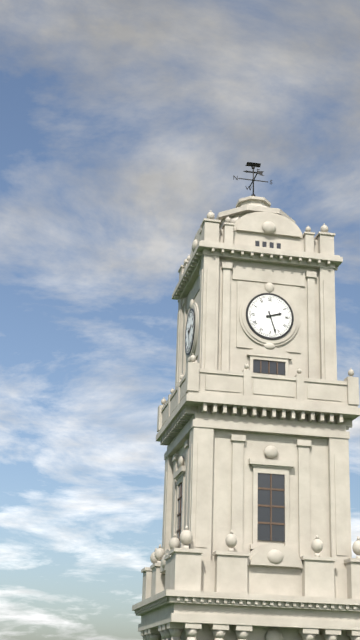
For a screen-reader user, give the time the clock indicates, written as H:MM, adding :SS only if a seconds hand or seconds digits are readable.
2:27
